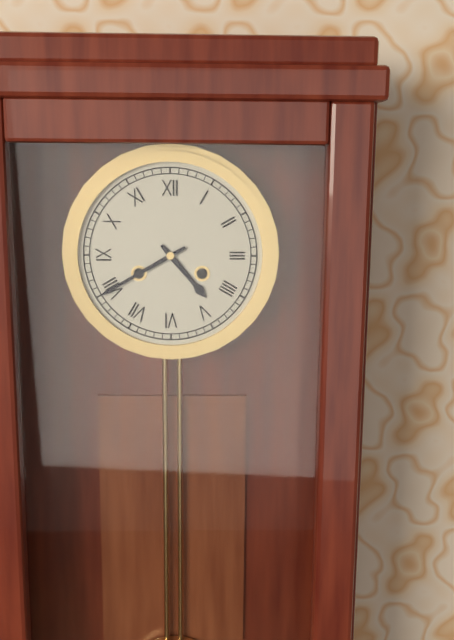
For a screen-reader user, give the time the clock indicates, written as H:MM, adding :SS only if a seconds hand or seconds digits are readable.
4:40
